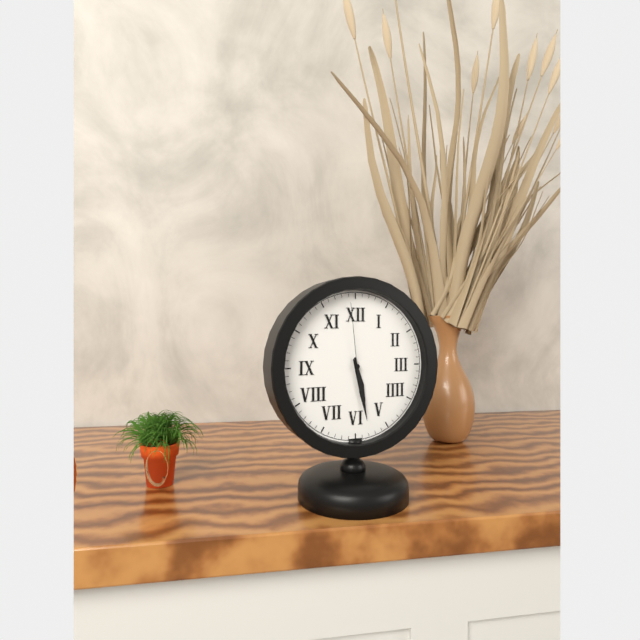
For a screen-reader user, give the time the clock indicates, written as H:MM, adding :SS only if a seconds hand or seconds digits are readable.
5:28:59
